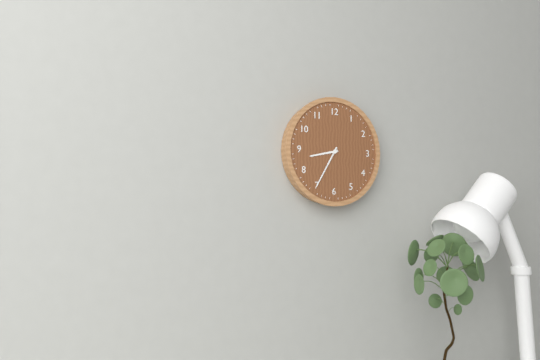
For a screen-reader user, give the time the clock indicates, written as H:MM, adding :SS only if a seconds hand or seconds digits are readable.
8:35
